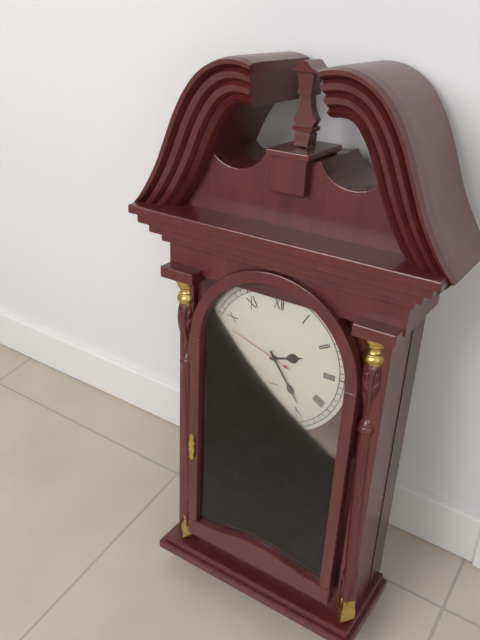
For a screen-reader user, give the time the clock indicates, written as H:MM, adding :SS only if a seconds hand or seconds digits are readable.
2:24:48
